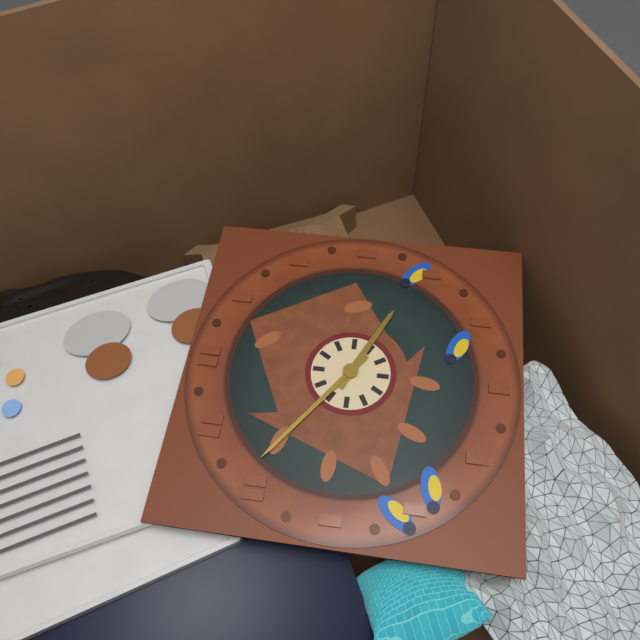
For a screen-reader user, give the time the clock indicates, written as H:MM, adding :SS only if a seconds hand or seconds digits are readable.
3:51
